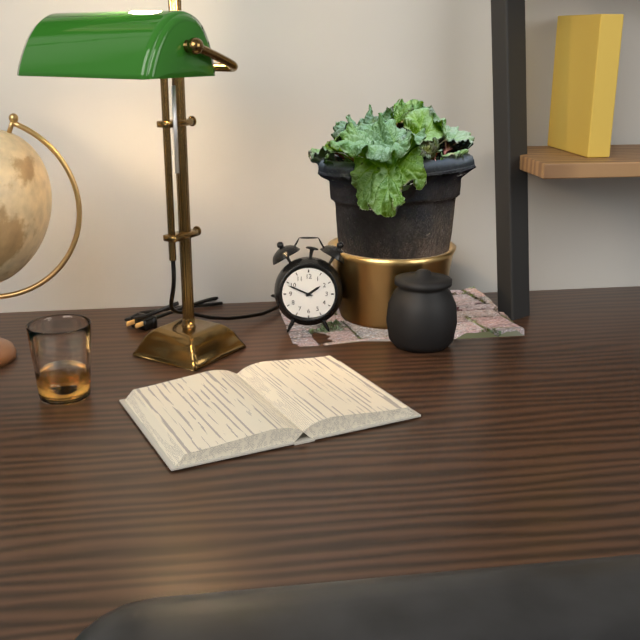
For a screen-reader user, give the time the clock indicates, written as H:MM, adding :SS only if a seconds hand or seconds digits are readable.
1:49
